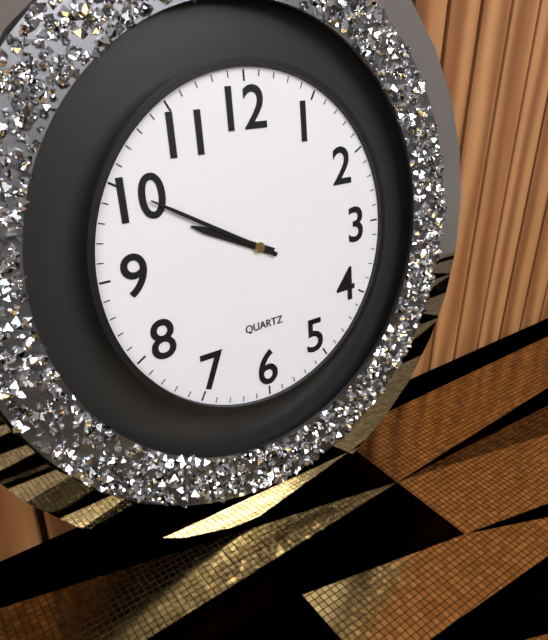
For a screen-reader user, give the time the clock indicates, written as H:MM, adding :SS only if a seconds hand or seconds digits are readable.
9:50
